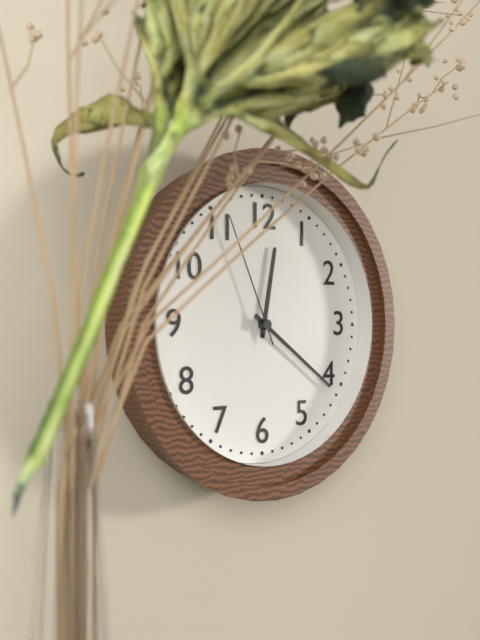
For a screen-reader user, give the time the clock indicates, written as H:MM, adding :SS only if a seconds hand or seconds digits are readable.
12:21:56
